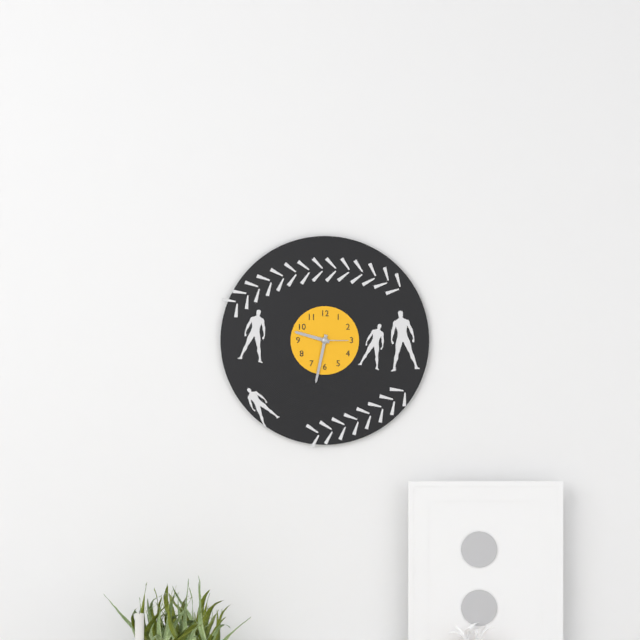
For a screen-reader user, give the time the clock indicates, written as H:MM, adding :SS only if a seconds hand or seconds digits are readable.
9:32
